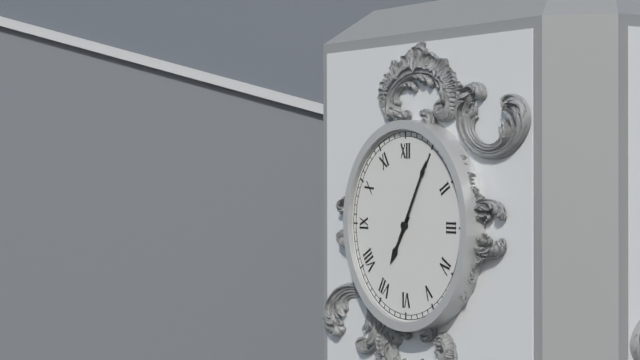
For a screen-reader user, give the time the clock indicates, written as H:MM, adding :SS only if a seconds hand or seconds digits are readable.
7:05
